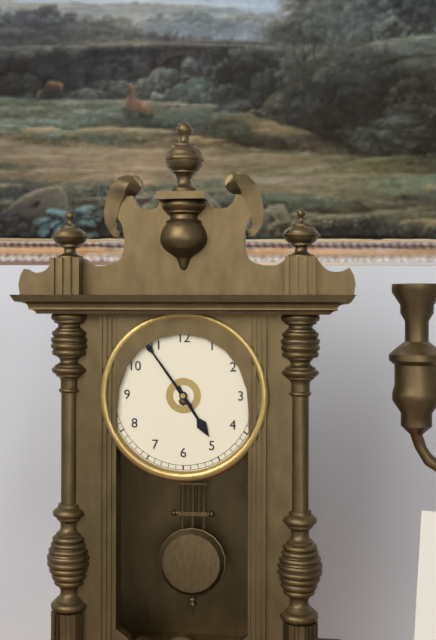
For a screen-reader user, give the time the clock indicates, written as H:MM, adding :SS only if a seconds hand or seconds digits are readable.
4:54
